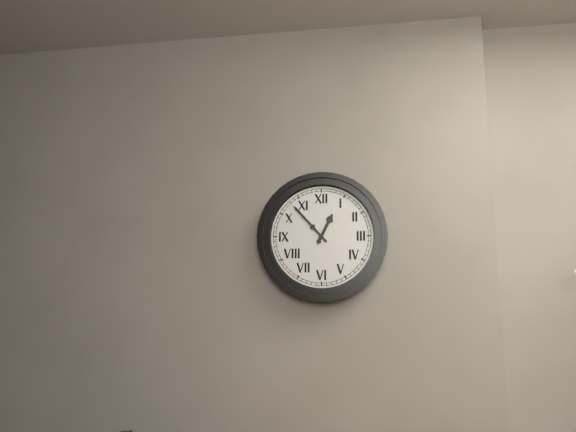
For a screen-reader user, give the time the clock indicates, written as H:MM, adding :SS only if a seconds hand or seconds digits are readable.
12:53
